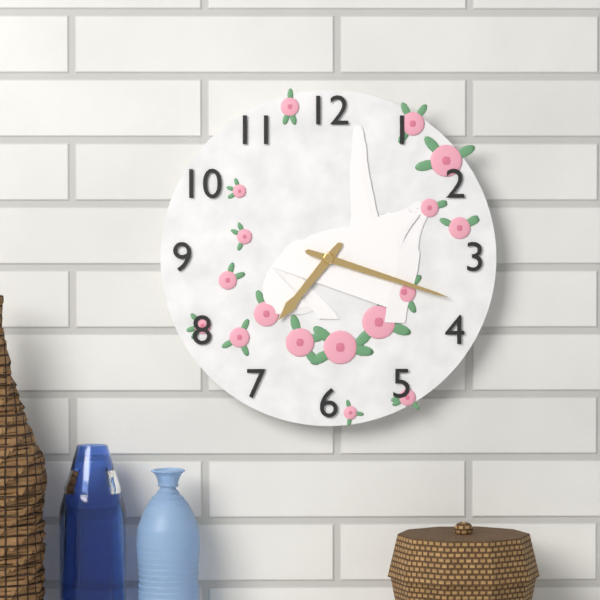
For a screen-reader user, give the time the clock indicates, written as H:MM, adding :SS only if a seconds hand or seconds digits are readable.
7:18
